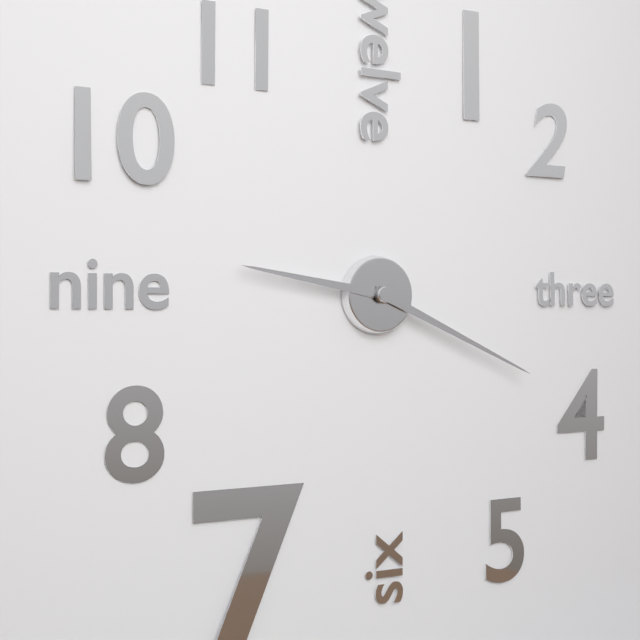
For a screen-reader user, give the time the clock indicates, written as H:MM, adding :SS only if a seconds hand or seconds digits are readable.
9:19
